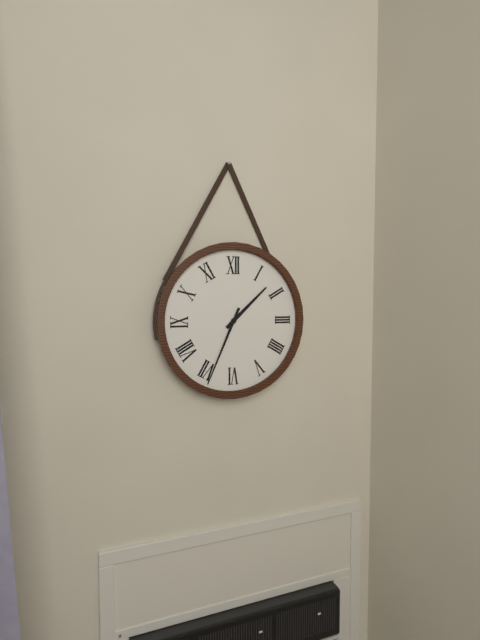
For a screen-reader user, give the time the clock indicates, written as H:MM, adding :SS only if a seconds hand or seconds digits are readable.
1:34
